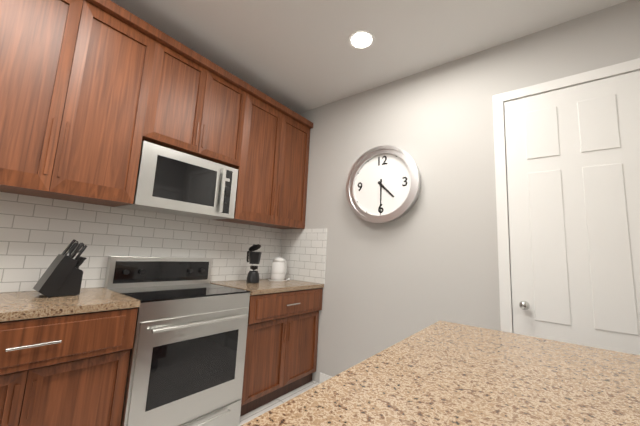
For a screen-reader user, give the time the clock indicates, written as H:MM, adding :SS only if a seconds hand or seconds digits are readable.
4:30
